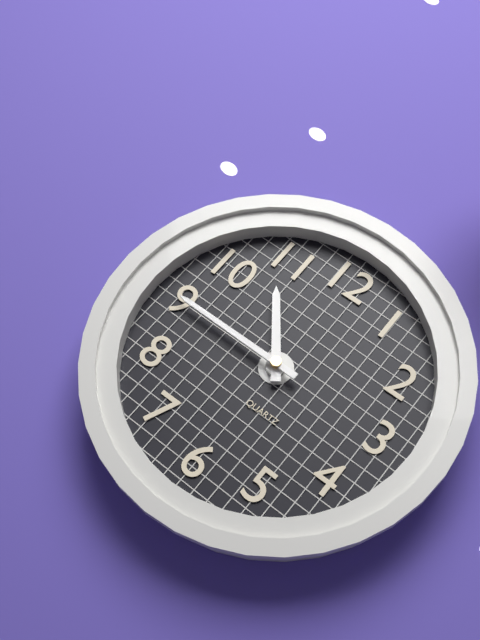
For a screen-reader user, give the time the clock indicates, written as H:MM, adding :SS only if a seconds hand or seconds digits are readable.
10:45
